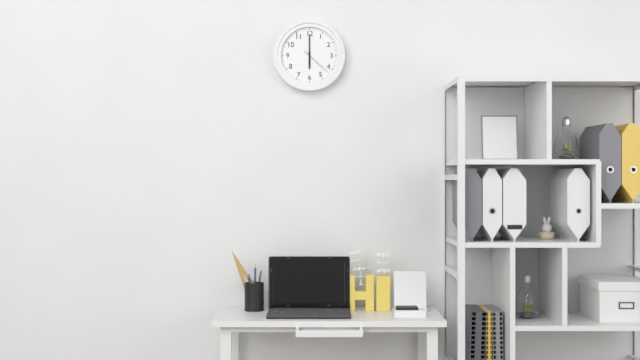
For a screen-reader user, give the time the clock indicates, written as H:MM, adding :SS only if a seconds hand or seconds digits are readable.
6:00
